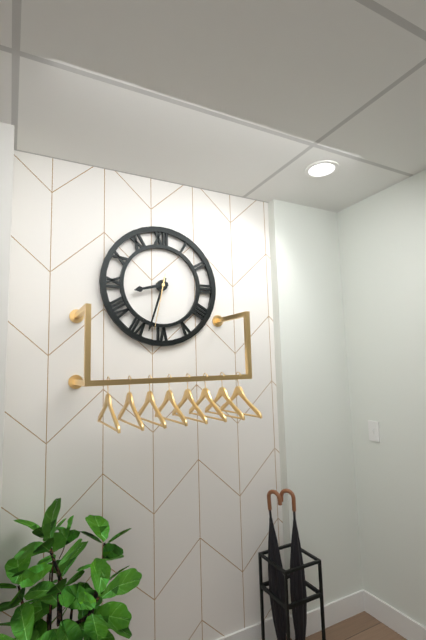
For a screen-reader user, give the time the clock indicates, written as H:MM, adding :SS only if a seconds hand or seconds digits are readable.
8:33:32
